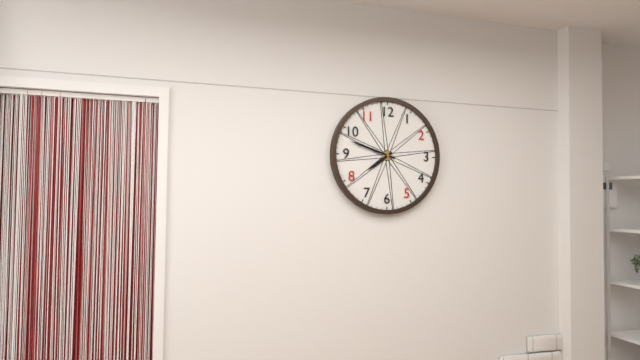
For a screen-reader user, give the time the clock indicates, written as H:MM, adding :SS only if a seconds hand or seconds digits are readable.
7:48
